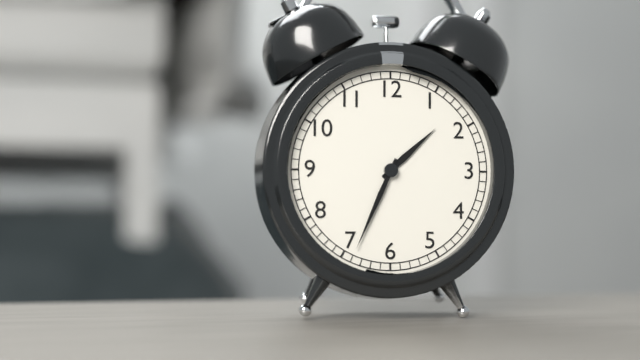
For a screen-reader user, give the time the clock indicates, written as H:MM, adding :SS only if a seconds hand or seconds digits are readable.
1:34
